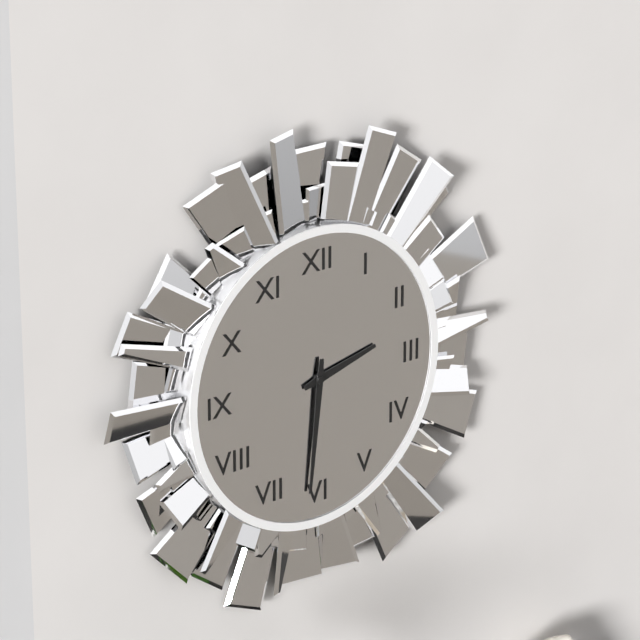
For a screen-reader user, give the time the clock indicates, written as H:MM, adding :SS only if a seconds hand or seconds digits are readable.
2:31
